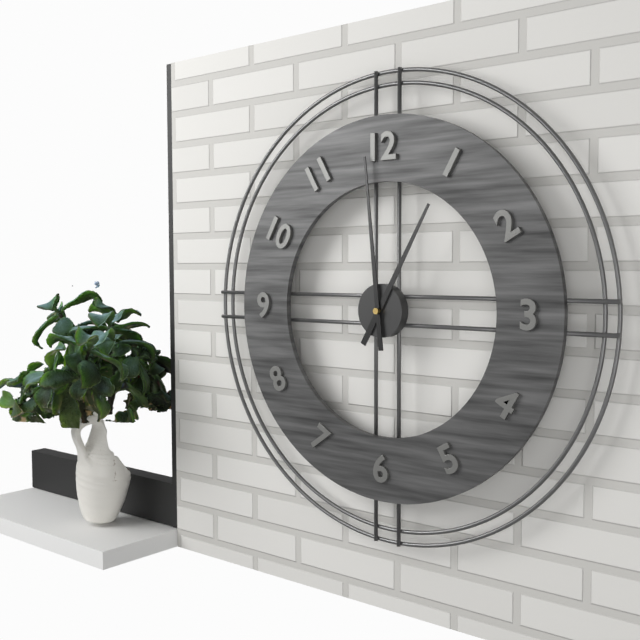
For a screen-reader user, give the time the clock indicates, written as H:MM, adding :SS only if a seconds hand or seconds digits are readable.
12:59
